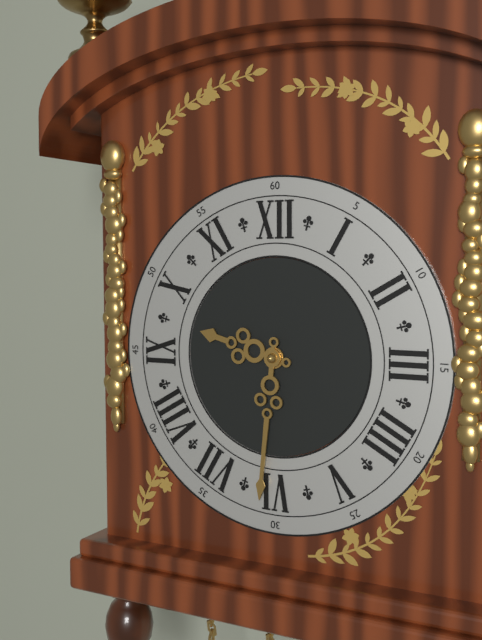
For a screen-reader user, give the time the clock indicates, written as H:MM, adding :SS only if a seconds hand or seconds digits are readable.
9:31
